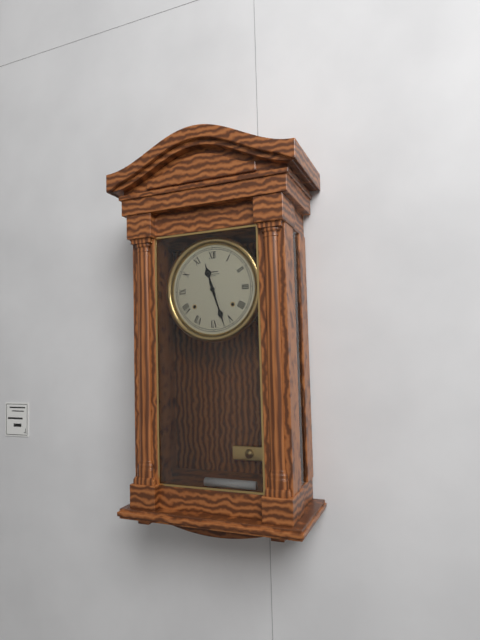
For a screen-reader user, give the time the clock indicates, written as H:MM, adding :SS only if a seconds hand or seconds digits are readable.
11:27
